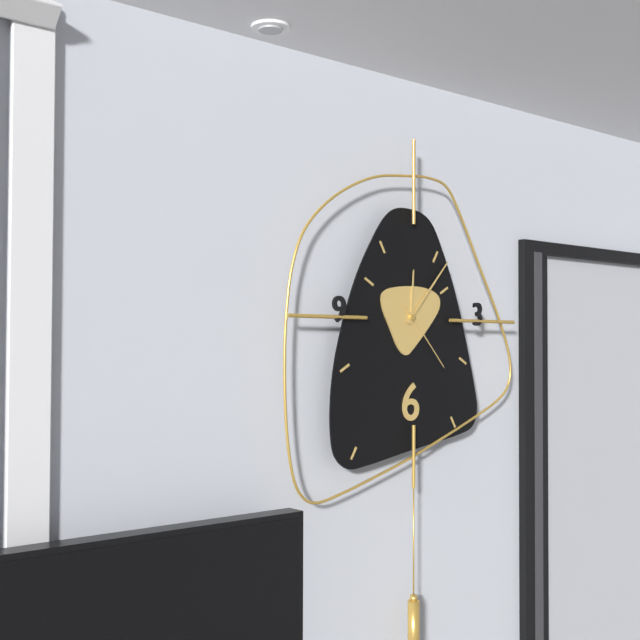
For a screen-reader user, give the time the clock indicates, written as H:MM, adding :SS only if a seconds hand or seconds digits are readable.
12:07:23
